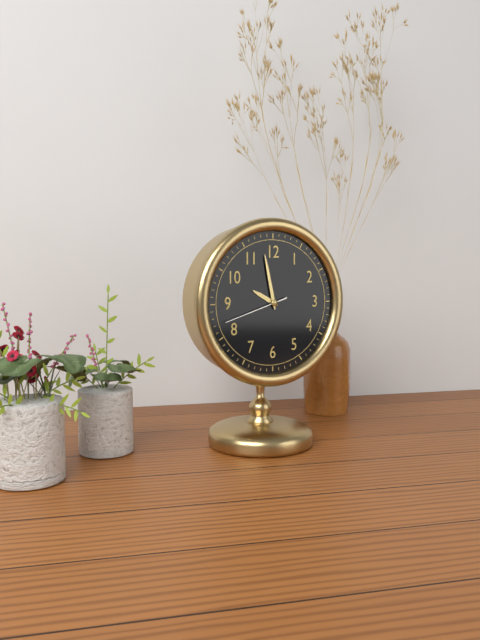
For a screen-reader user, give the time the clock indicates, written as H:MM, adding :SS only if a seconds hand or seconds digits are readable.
9:58:42
